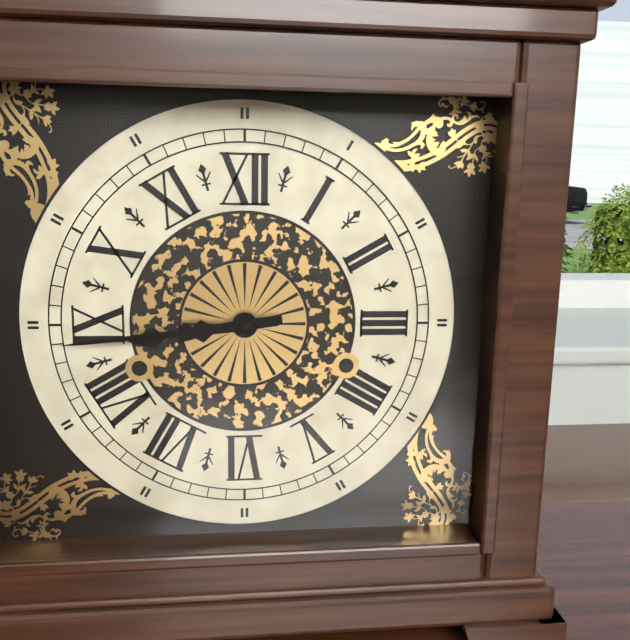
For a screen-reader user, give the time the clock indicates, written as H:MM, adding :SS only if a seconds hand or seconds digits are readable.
8:44
